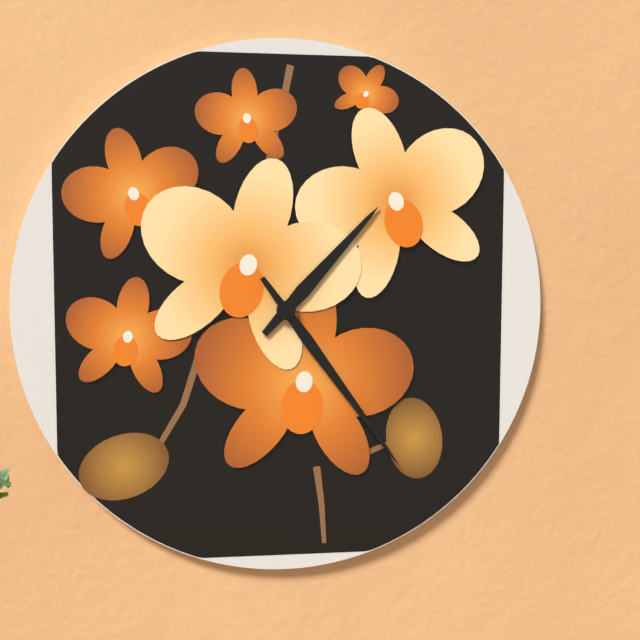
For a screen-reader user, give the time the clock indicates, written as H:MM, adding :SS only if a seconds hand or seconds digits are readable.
1:24
